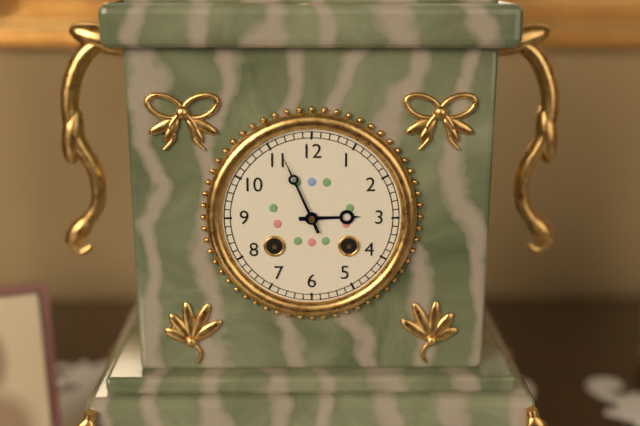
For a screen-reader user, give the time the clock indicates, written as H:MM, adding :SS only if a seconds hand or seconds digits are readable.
2:56
